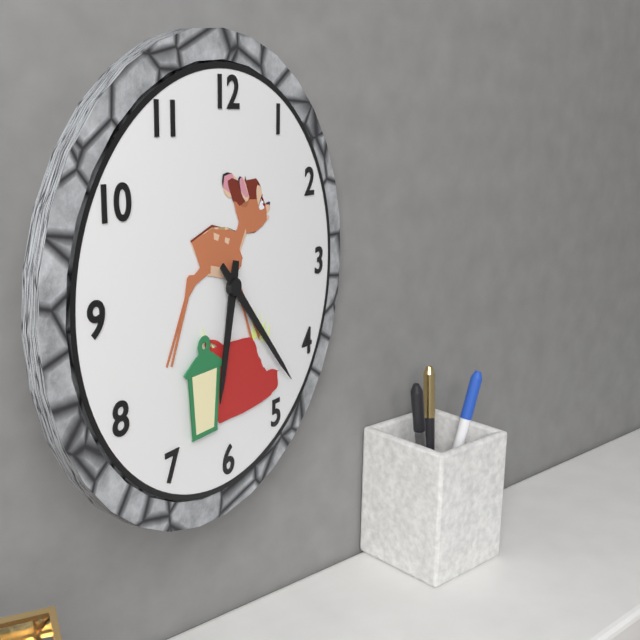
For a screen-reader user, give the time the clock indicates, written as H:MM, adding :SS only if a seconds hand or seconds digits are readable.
6:23
